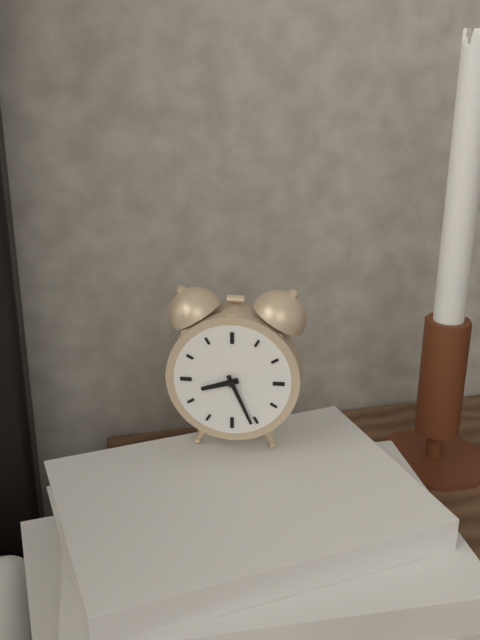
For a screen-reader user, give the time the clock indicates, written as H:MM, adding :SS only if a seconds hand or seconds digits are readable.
8:26
